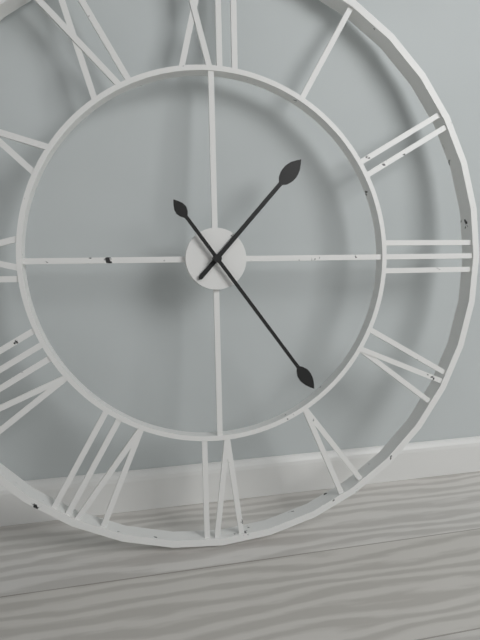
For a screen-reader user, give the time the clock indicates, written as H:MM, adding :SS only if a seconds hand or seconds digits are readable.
1:24
